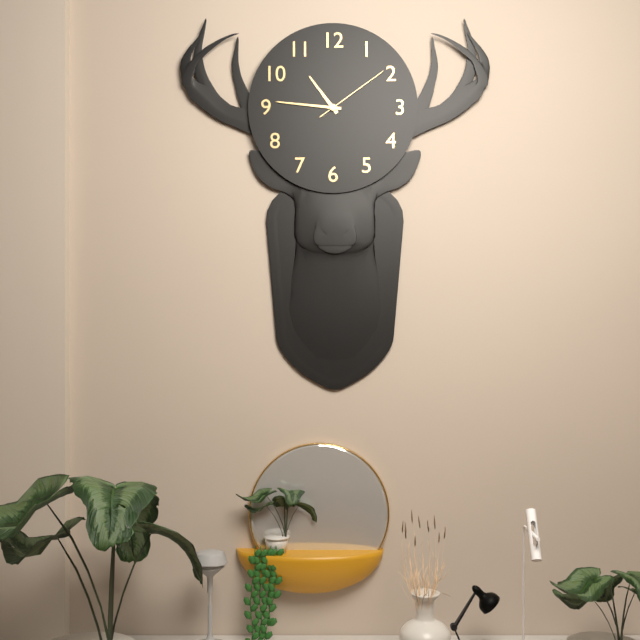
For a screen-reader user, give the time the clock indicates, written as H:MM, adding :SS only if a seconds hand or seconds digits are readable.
10:46:09
